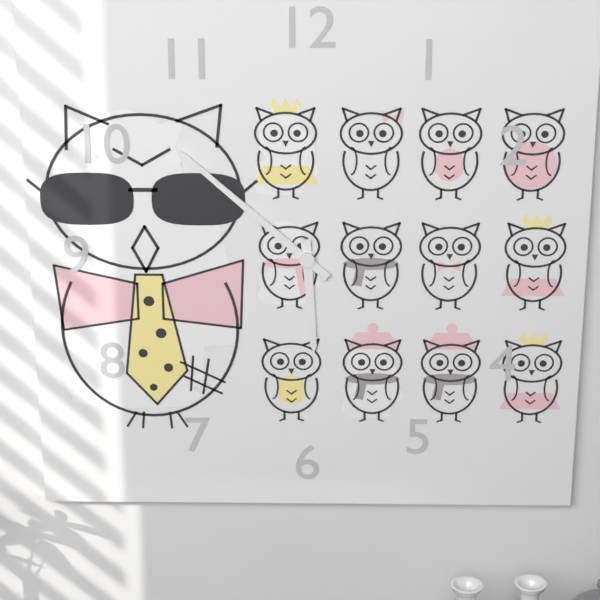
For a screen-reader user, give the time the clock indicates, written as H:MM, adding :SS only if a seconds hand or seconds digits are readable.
5:52
